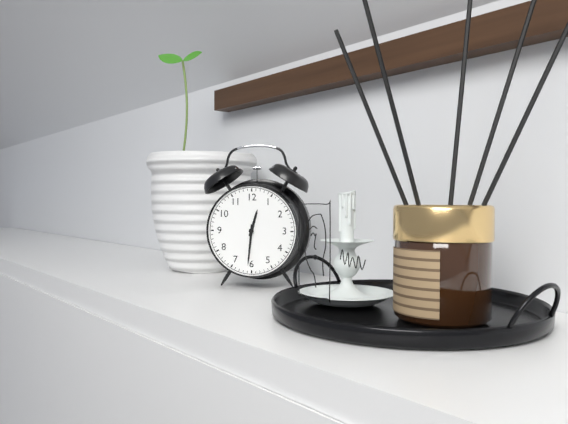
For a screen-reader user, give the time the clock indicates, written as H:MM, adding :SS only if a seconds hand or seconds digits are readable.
12:31
